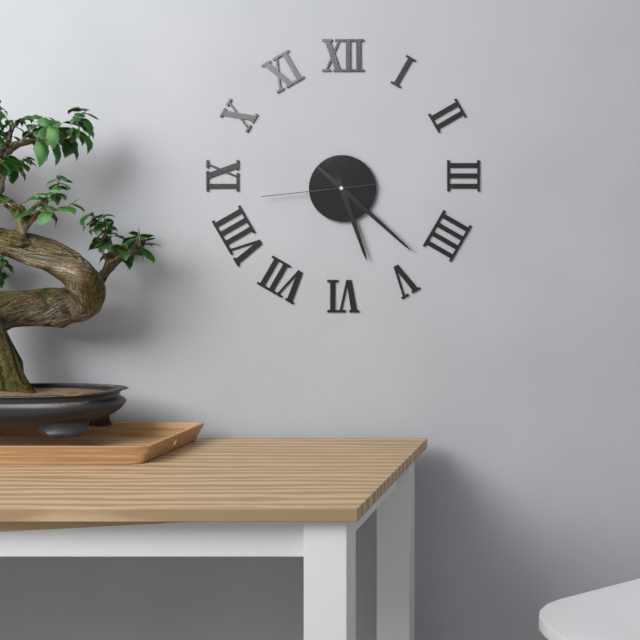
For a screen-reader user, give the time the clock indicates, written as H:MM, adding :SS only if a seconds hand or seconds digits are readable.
5:22:44
